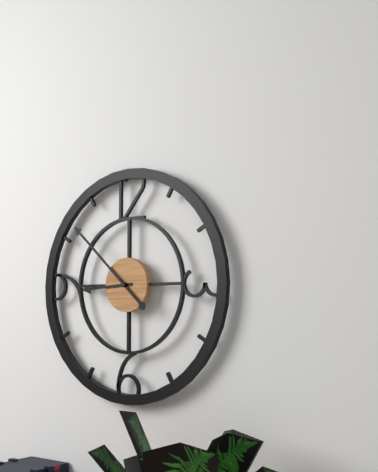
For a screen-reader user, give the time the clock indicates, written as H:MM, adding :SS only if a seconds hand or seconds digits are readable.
8:52
